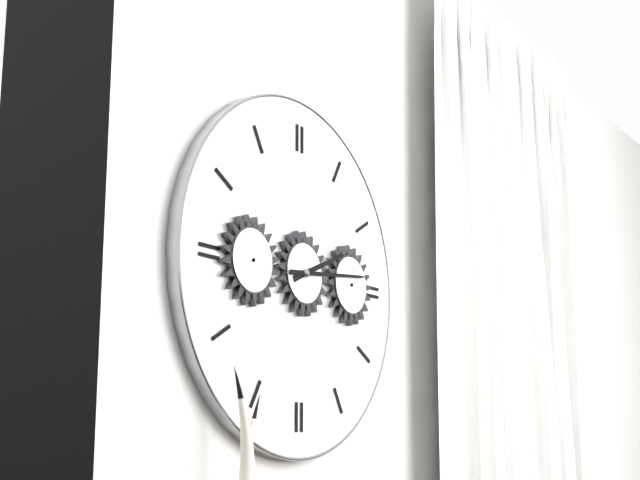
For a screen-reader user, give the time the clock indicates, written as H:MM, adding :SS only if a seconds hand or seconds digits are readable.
2:14
